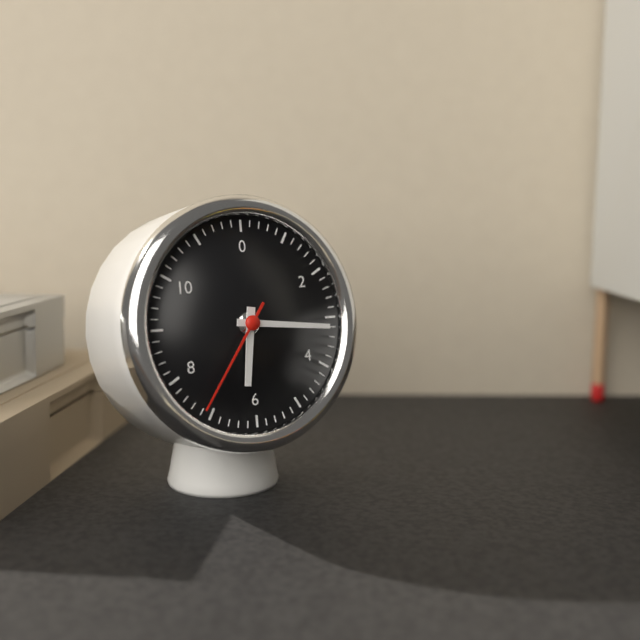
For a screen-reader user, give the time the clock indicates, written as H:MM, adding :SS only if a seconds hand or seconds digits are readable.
6:16:36
